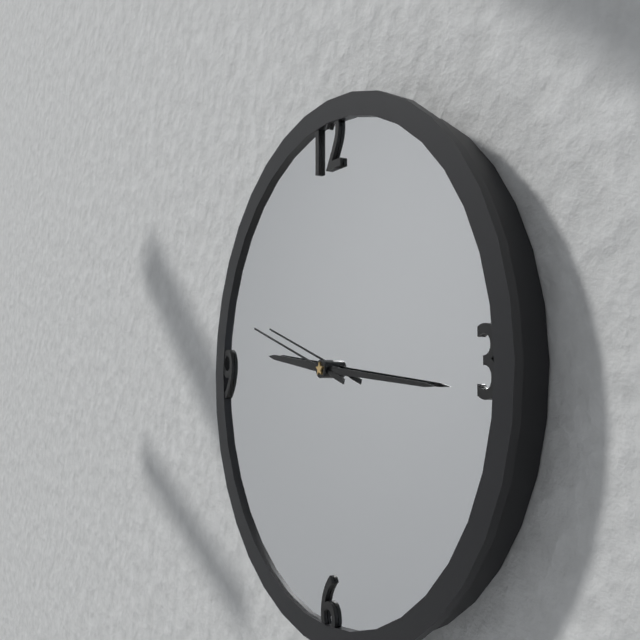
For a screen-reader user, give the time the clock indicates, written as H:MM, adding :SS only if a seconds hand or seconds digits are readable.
9:16:48
